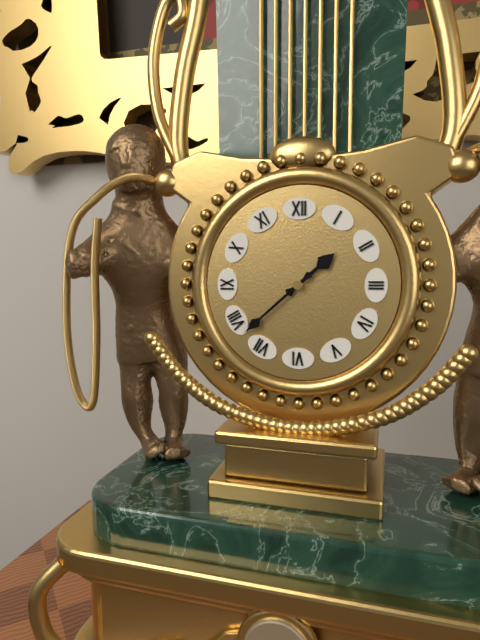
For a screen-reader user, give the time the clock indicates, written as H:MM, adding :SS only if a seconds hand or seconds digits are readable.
1:38
